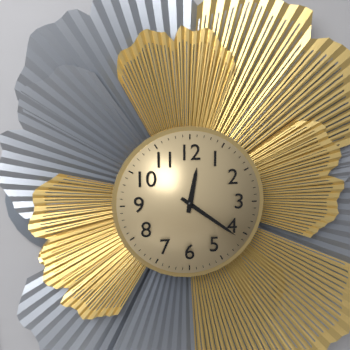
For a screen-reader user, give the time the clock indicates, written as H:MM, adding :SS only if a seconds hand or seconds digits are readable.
12:21
